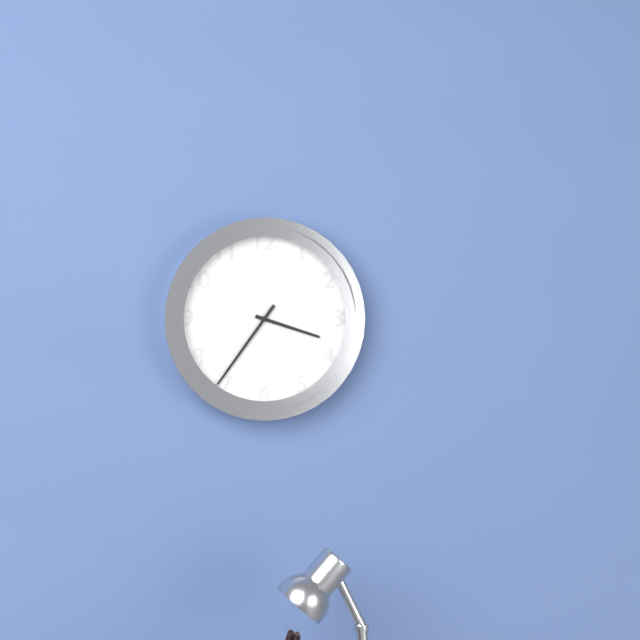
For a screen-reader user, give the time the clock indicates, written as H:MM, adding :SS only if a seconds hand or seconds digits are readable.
3:36
